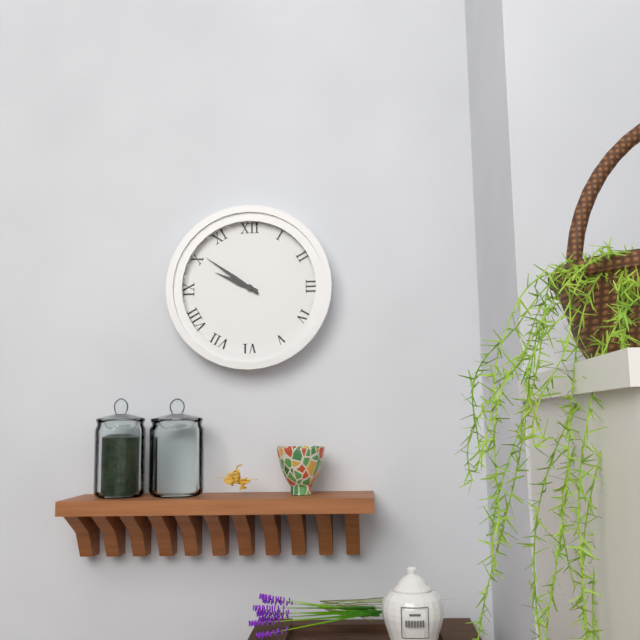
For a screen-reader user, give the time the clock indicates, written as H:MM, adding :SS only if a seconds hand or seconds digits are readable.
9:51
